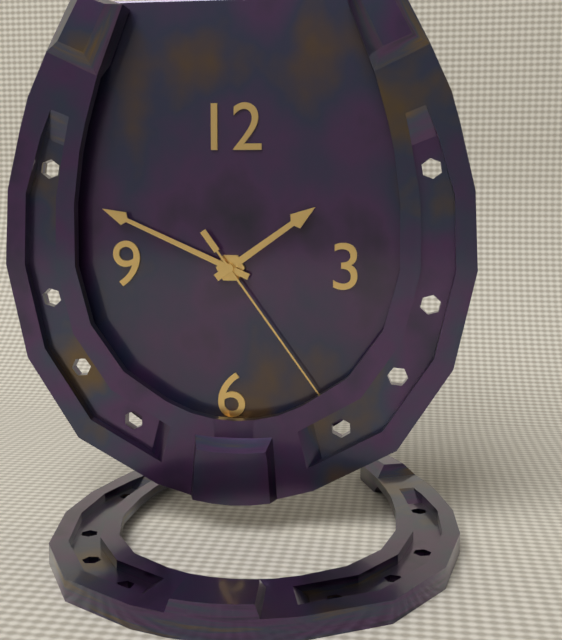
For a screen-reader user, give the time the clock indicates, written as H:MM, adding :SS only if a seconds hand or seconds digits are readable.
1:49:24
